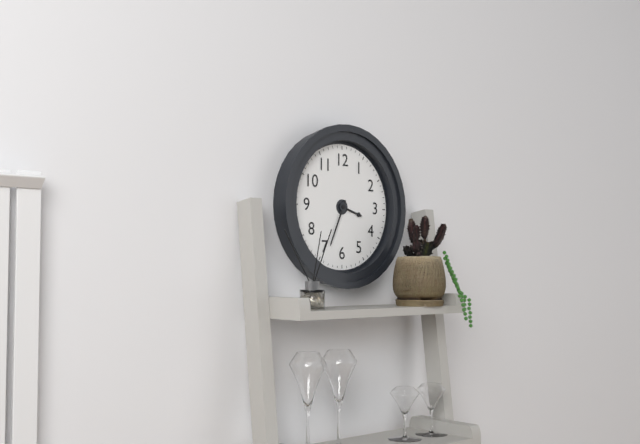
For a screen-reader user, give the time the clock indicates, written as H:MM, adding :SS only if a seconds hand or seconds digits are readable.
3:34
